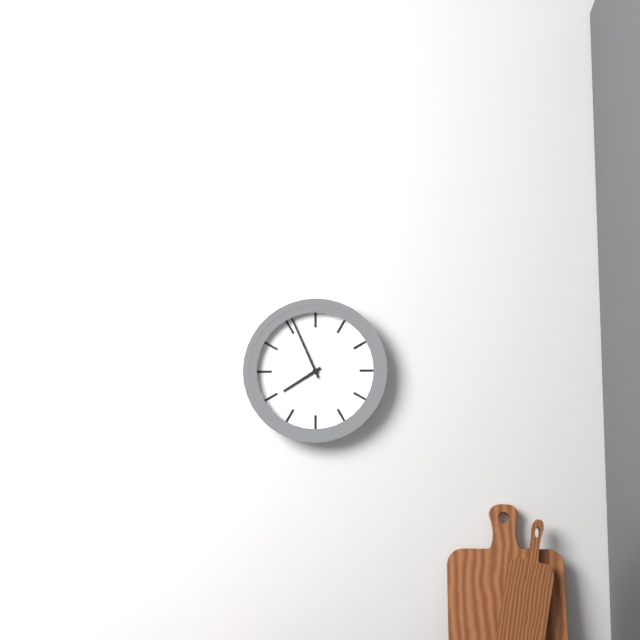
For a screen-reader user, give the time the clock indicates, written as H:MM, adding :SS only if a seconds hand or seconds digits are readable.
7:56
